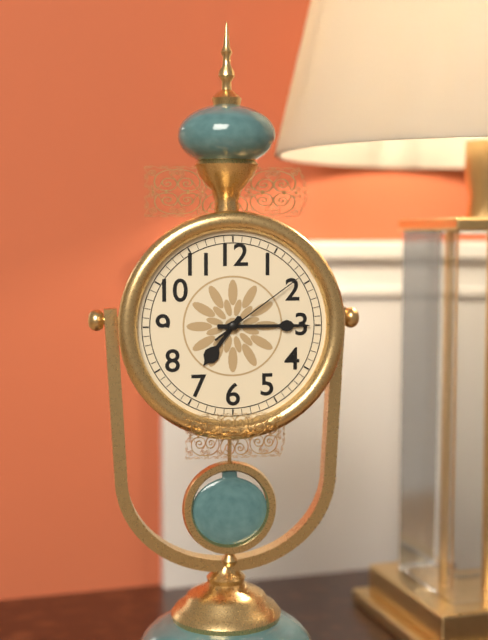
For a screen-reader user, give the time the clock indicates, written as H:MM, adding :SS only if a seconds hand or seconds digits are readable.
7:15:09
